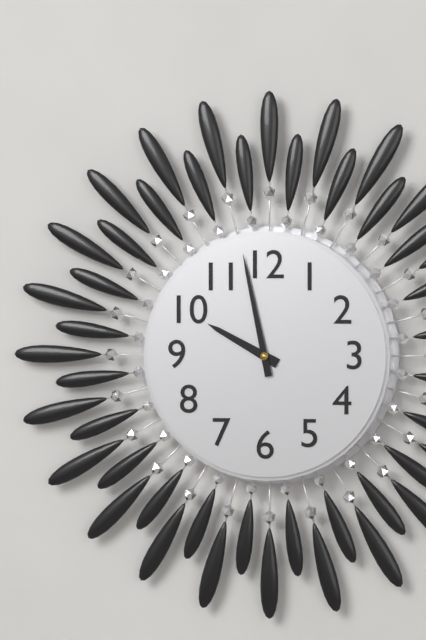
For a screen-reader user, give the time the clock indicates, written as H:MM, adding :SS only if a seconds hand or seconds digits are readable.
9:58
